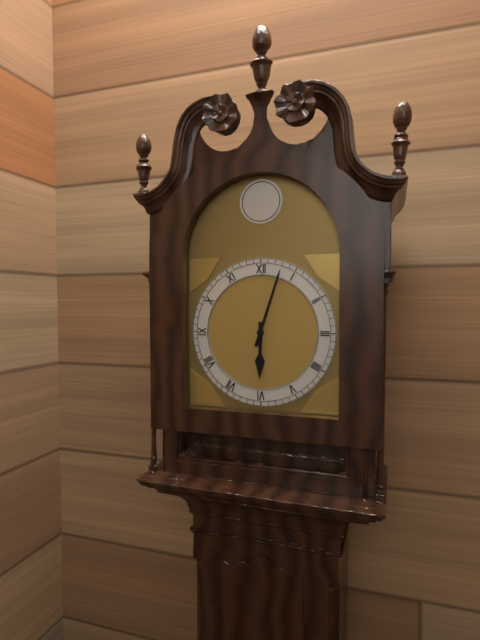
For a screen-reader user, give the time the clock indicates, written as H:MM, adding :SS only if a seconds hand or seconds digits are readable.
6:03
